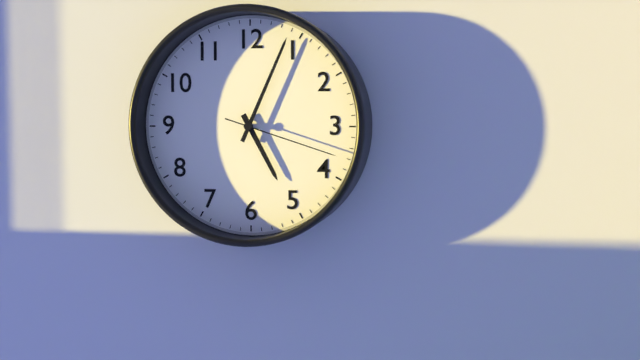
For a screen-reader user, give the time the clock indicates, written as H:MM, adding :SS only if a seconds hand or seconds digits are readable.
5:04:18
